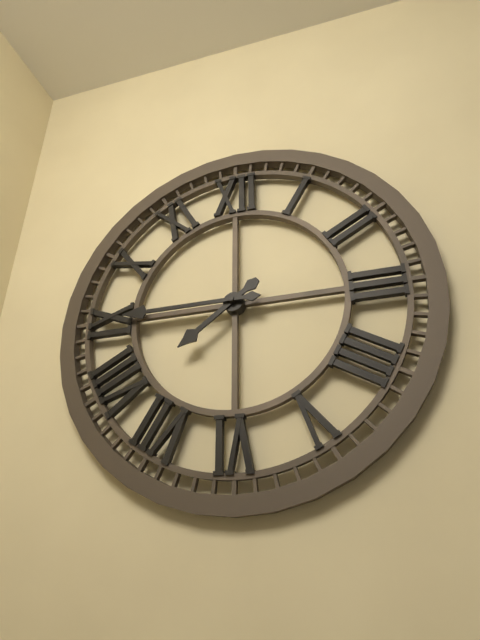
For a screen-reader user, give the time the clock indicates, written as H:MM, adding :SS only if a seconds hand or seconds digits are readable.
7:45
